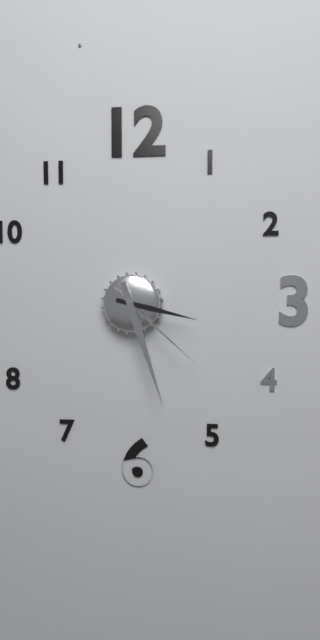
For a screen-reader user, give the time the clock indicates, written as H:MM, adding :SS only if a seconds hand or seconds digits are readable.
3:27:22
